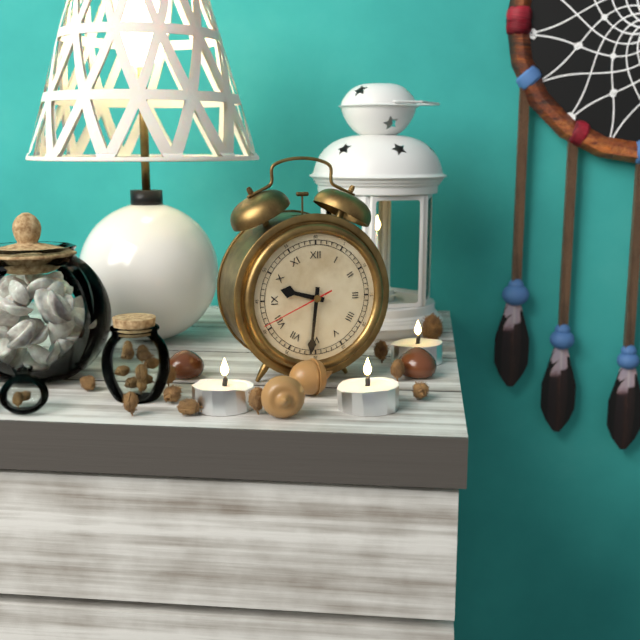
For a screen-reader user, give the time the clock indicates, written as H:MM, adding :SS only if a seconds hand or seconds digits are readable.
9:31:41
